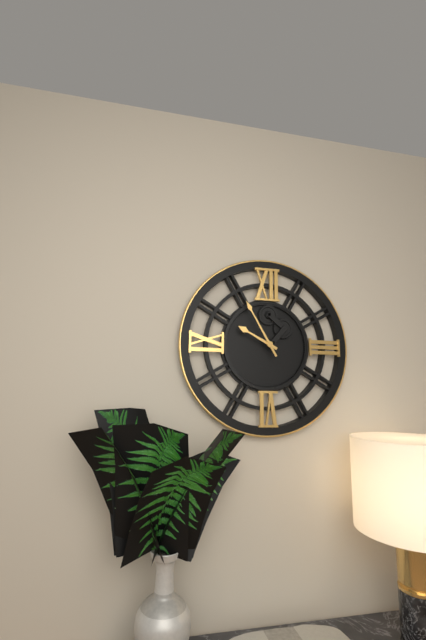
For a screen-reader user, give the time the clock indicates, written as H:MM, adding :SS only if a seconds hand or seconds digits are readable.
9:55
